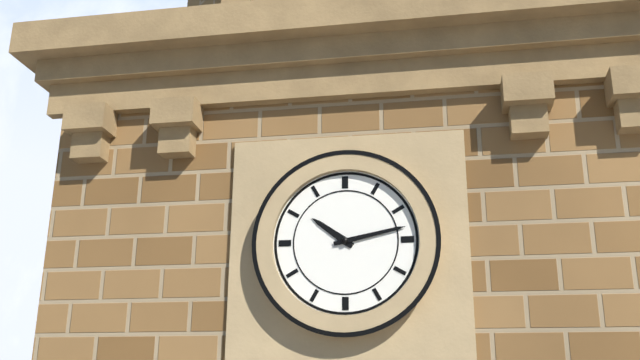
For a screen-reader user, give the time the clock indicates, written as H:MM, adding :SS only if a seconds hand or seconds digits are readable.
10:13
